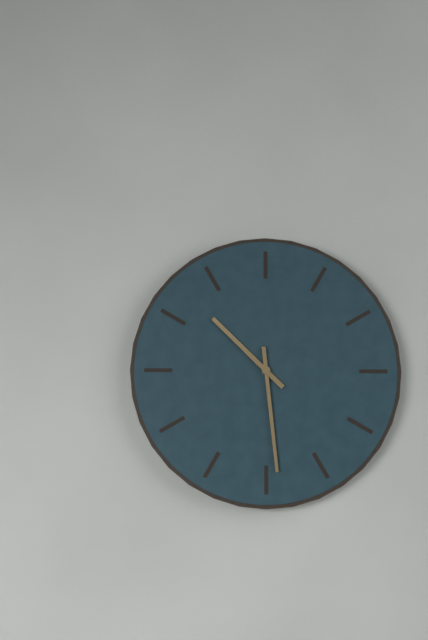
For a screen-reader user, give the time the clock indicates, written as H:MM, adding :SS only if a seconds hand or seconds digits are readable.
10:29
